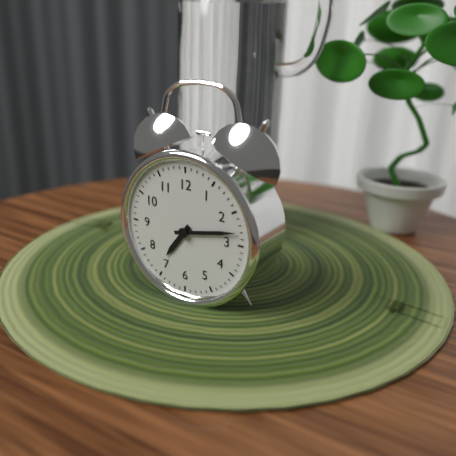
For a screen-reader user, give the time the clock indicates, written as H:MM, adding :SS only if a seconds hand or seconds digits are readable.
7:13
